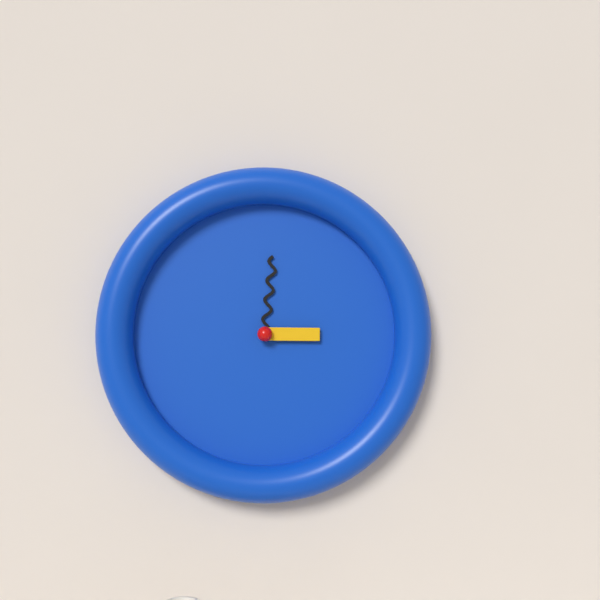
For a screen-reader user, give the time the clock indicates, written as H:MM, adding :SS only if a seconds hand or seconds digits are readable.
3:01
